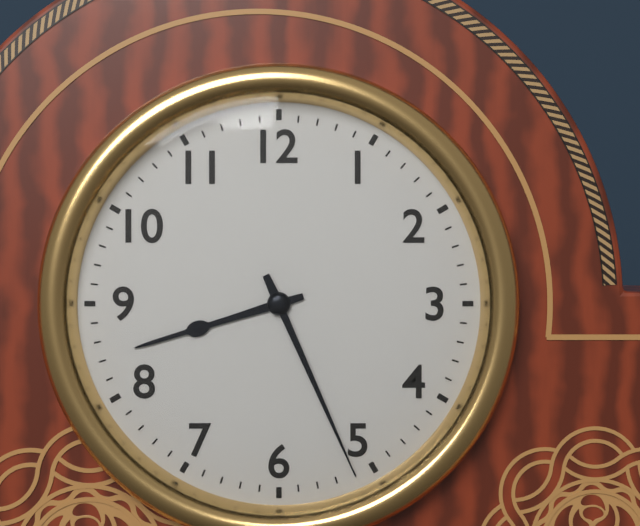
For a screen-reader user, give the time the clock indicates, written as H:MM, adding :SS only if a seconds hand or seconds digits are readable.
8:26
